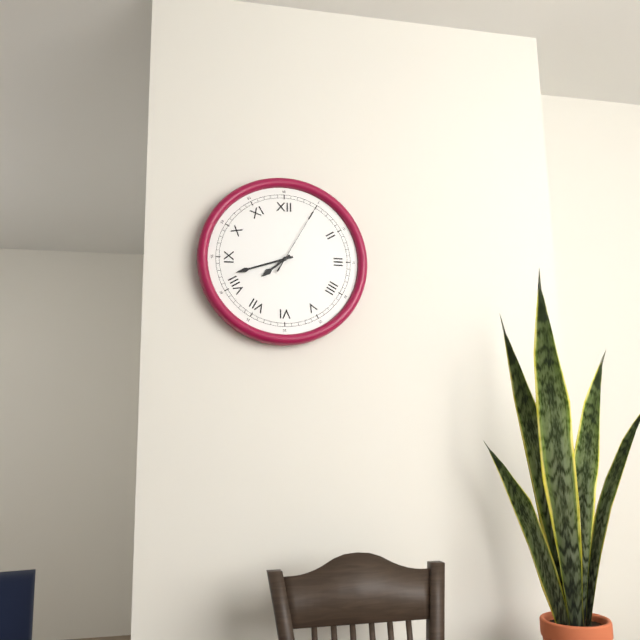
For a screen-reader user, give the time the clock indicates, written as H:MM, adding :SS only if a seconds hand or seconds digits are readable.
7:42:05
